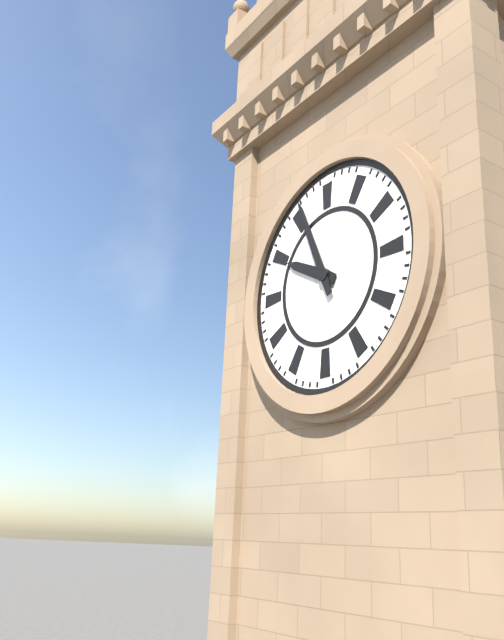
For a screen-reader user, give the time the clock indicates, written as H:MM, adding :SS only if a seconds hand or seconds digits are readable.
9:56
